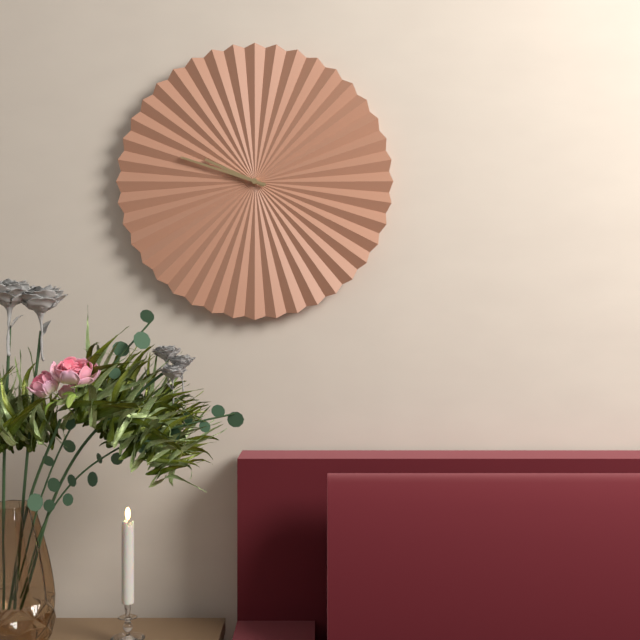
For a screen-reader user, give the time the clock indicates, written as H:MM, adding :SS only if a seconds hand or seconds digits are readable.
9:48
